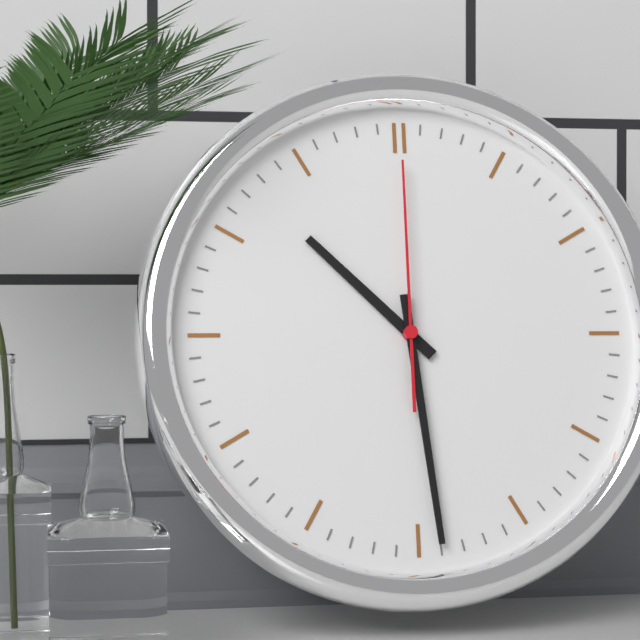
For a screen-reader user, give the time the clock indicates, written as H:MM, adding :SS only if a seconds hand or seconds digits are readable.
10:29:00
